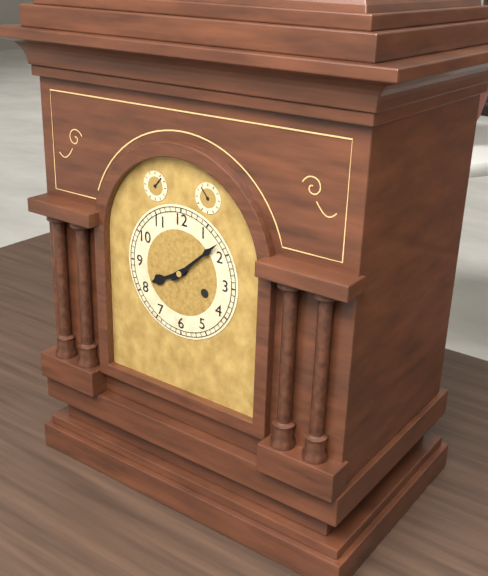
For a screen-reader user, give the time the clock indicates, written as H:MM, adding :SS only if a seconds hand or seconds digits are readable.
8:08
